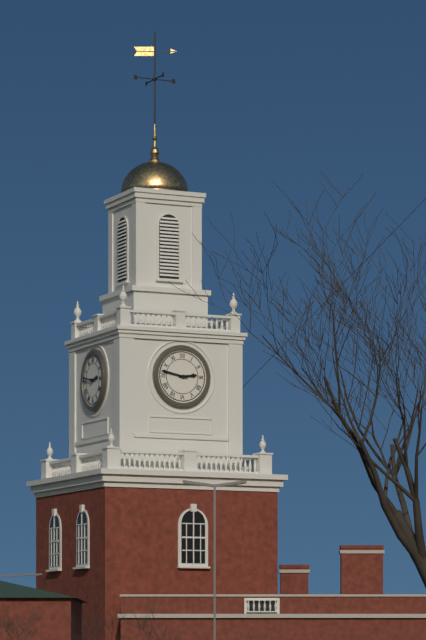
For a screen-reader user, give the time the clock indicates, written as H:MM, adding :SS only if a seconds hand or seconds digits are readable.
2:47
